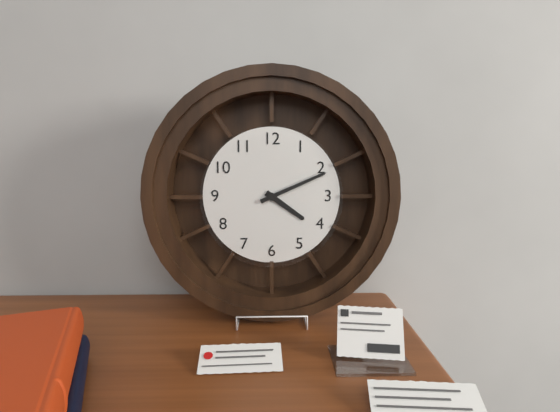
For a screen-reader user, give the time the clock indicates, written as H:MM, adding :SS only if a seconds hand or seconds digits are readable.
4:11
